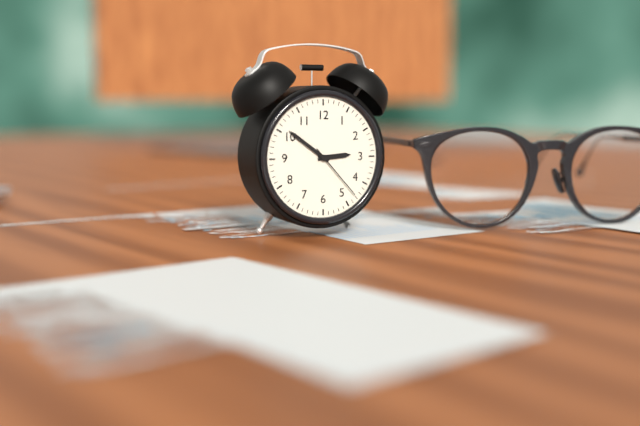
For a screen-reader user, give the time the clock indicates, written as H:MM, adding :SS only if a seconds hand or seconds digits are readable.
2:51:23
